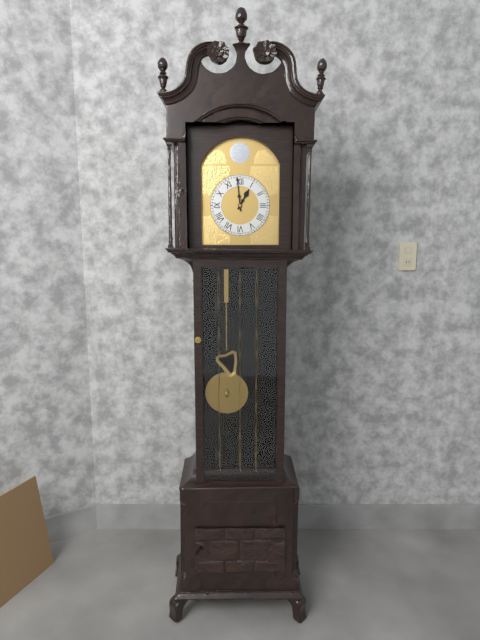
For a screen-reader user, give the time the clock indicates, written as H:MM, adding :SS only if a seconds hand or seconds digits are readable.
12:59
